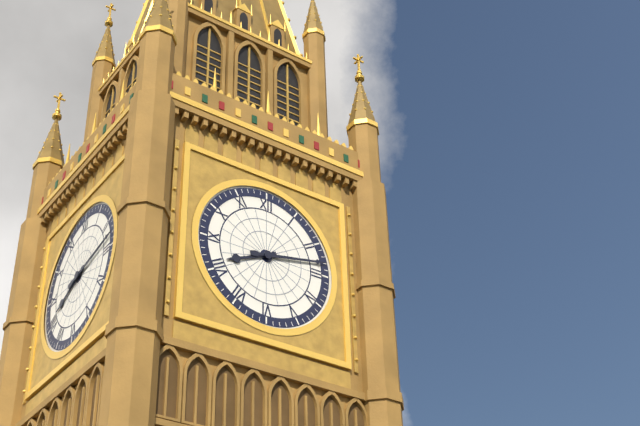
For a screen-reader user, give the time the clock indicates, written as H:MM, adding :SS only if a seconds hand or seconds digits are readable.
8:13
